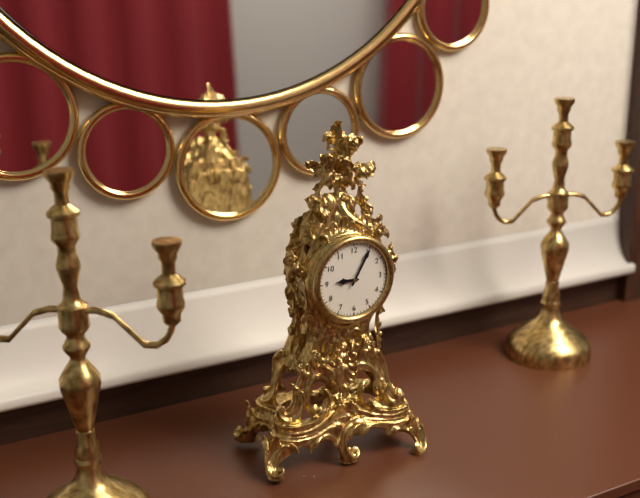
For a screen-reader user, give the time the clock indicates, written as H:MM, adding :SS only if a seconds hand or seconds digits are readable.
9:05
